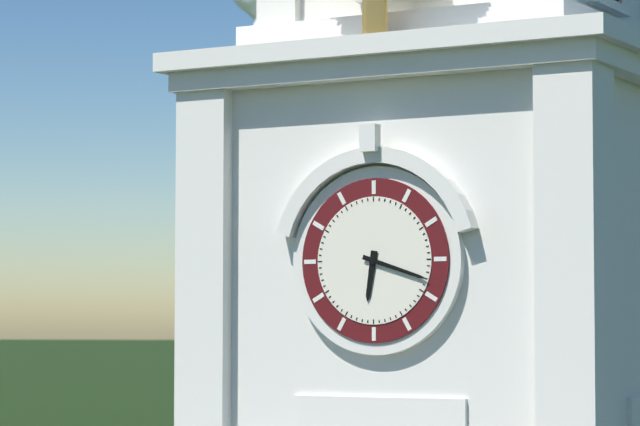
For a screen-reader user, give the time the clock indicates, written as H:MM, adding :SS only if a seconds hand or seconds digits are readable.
6:18
